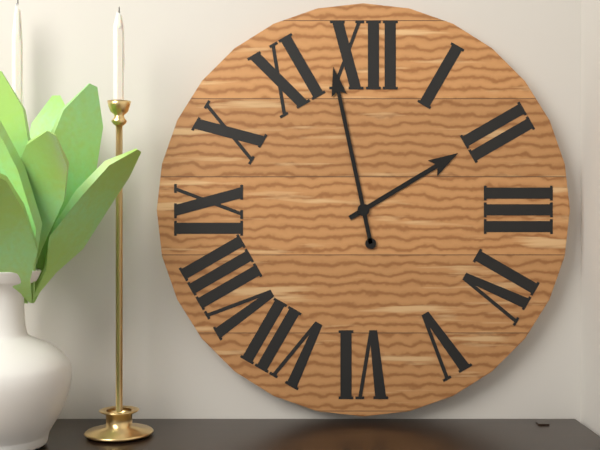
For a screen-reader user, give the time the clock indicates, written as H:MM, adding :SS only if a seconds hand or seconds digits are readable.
1:58
